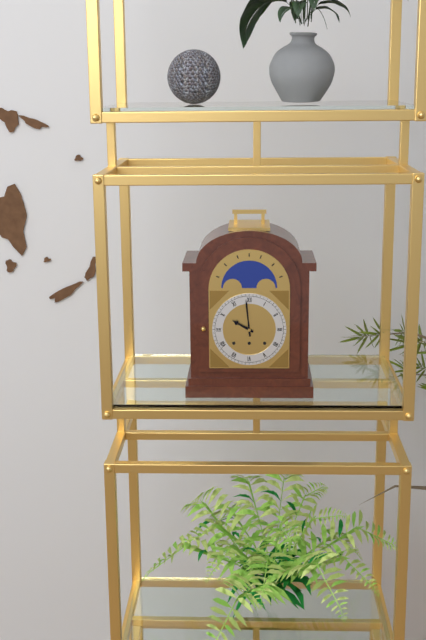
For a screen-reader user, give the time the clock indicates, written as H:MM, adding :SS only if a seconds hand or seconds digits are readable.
9:59
